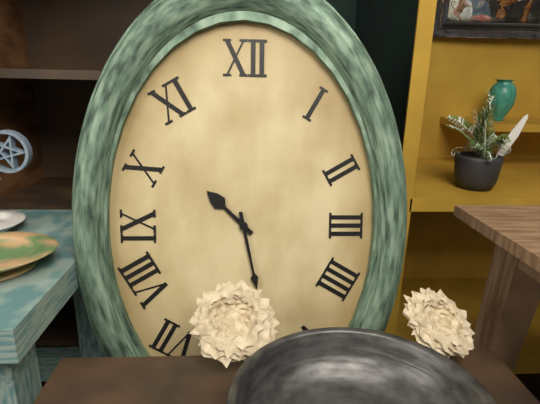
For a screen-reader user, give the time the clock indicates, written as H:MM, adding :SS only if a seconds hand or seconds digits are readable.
10:28
